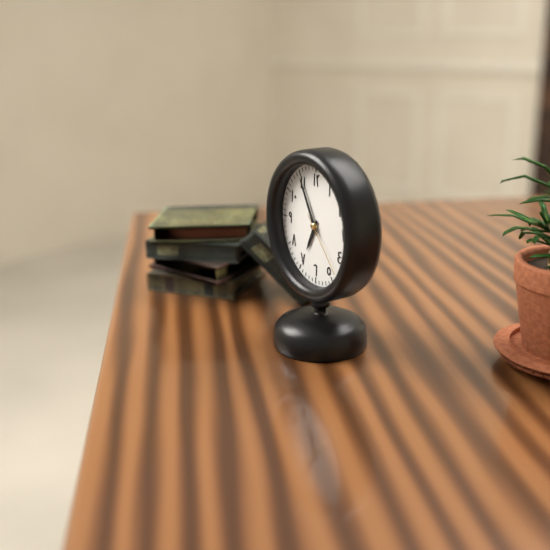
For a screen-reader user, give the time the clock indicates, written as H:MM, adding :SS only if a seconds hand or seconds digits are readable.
6:55:23
